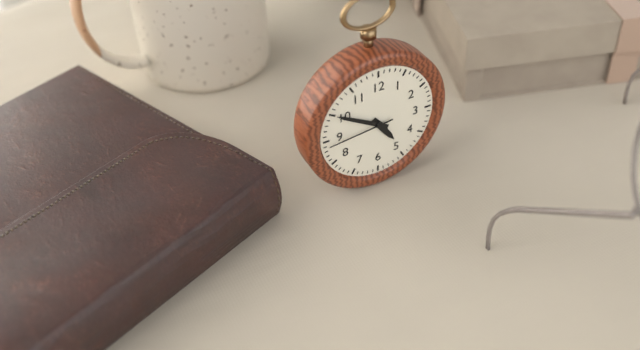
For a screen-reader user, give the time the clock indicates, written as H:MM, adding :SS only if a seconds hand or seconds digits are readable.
4:50:44
